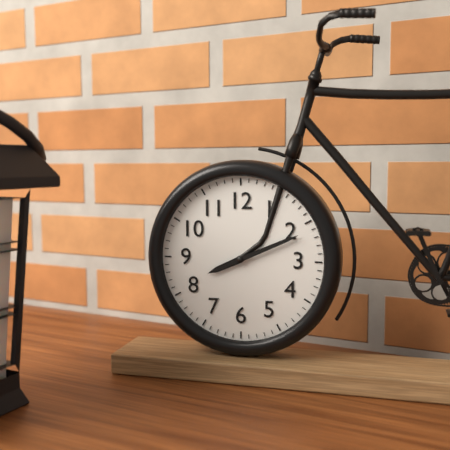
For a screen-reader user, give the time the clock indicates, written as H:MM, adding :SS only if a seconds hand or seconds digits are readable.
8:11
